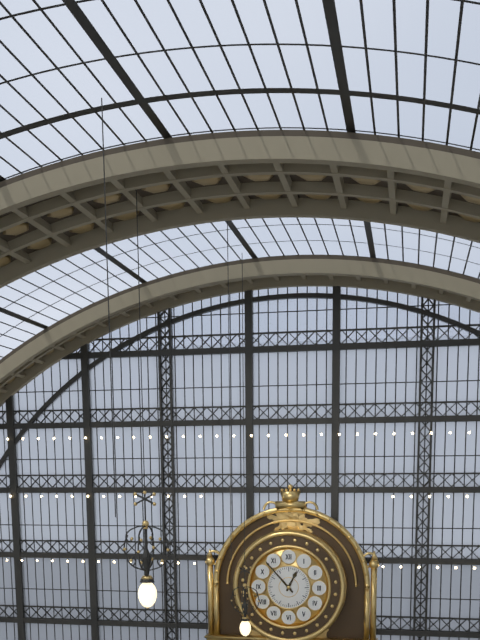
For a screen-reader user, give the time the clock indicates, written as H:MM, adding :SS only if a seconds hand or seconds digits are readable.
12:53
